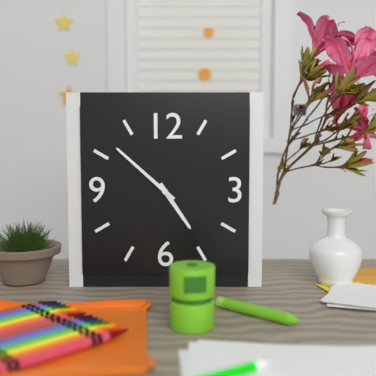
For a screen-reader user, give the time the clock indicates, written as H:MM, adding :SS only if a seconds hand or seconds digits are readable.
4:52
